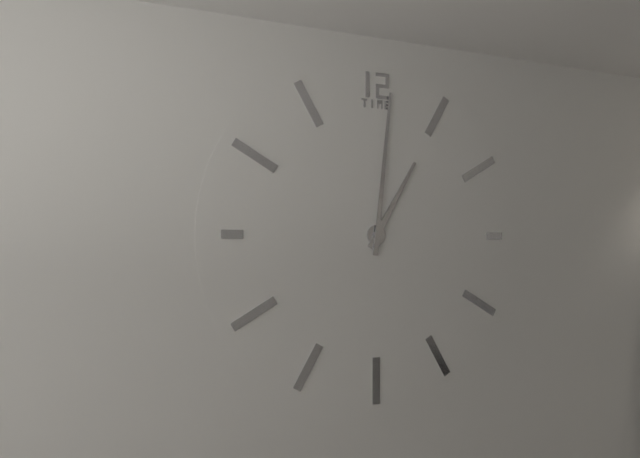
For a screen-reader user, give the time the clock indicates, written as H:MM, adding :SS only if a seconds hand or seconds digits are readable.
1:01
